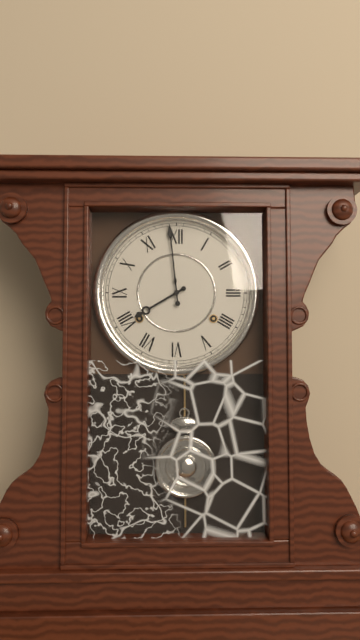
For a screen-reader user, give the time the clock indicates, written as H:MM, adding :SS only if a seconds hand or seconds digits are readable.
7:59
